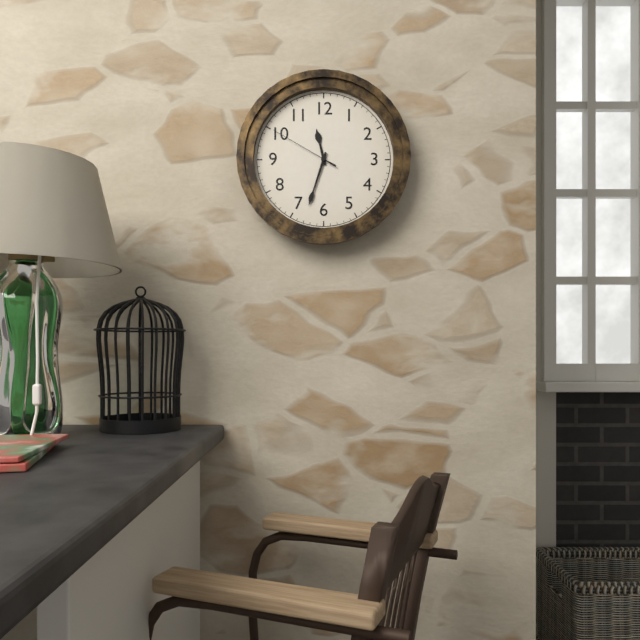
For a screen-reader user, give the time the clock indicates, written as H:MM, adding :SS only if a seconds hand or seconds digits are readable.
11:33:50
